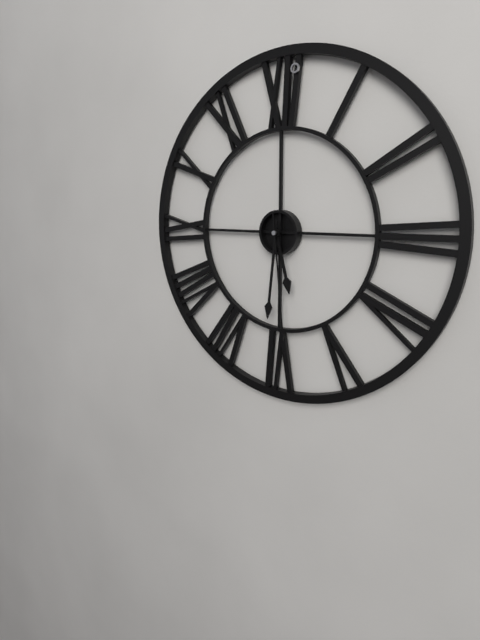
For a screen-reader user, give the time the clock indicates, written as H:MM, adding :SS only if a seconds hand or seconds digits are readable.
5:31:29
